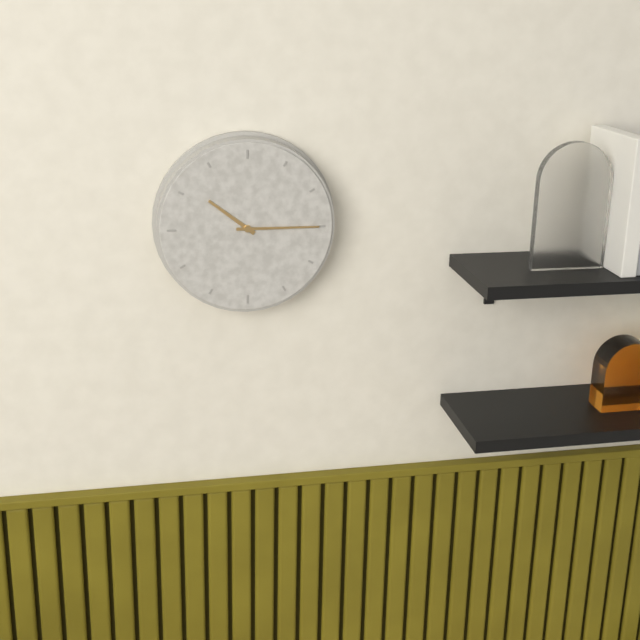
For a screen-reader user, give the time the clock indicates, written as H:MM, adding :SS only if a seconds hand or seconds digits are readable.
10:15
